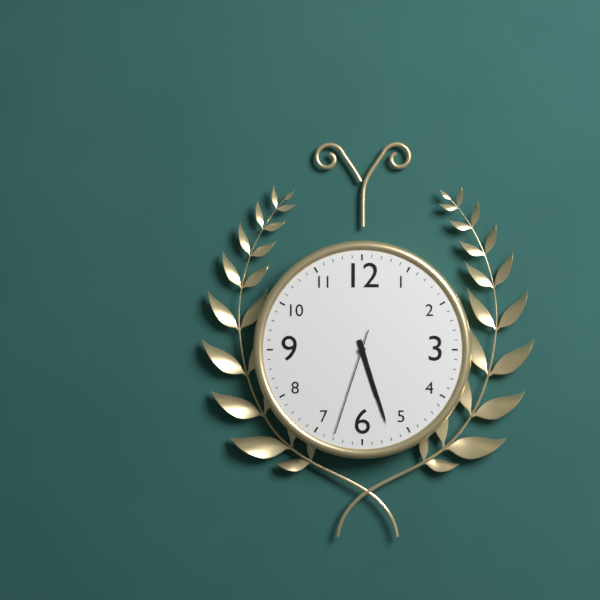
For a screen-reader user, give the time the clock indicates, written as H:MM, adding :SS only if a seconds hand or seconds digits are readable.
5:27:33
